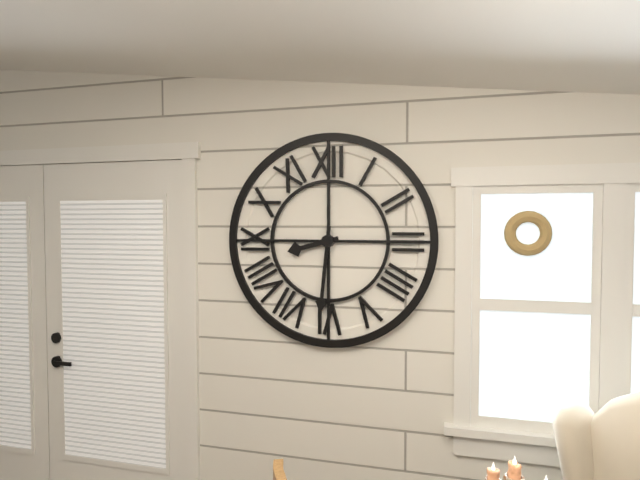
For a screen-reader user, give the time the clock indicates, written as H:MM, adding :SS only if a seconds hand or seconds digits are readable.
8:31
